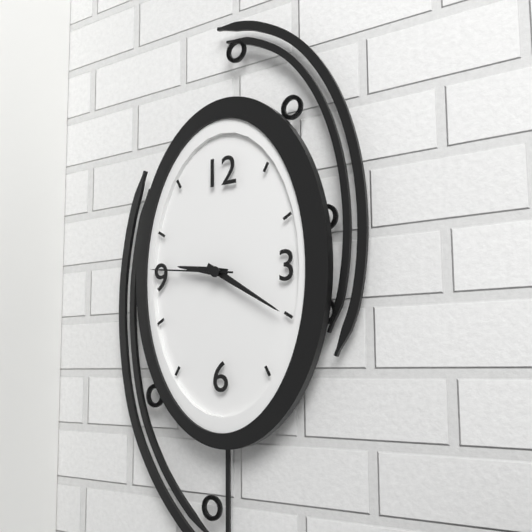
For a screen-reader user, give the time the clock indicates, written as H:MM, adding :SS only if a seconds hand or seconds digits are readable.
9:20:46
